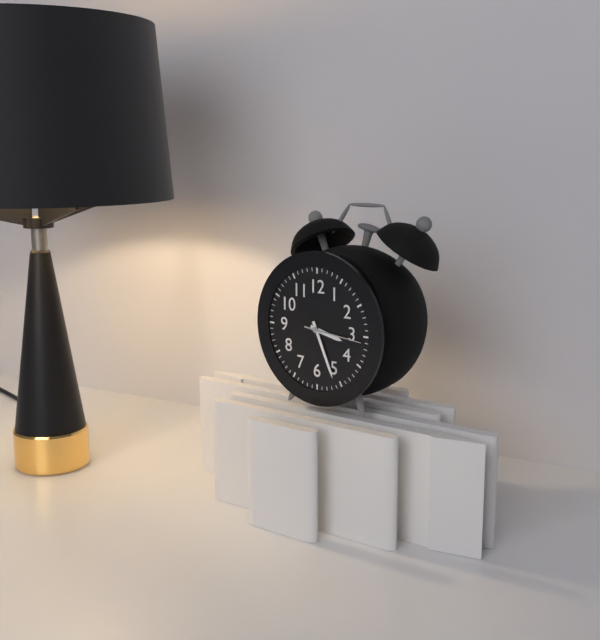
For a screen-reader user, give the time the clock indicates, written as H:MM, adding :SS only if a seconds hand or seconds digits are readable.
3:26:16
